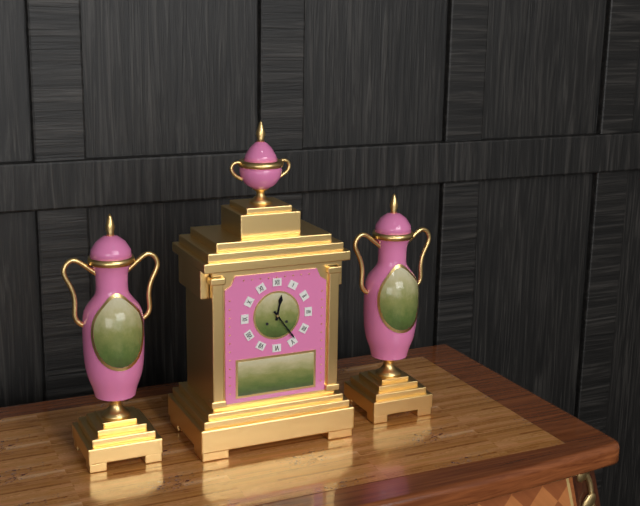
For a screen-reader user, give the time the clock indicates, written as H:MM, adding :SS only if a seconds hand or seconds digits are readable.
12:24
